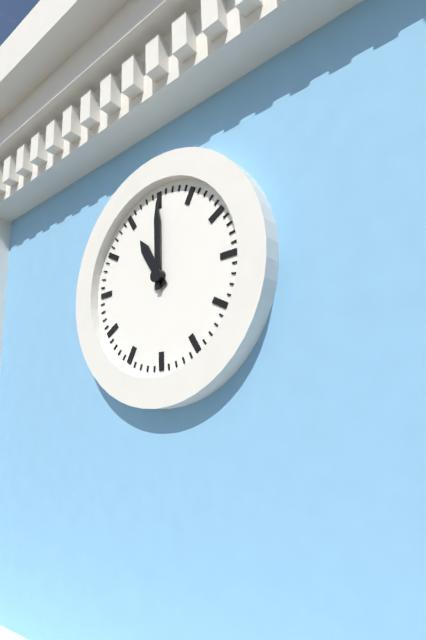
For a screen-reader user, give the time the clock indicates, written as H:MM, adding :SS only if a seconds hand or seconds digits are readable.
11:00
